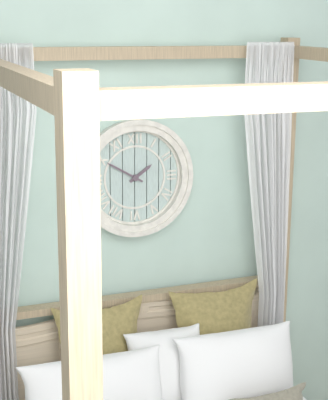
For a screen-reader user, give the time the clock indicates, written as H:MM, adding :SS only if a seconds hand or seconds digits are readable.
1:50
